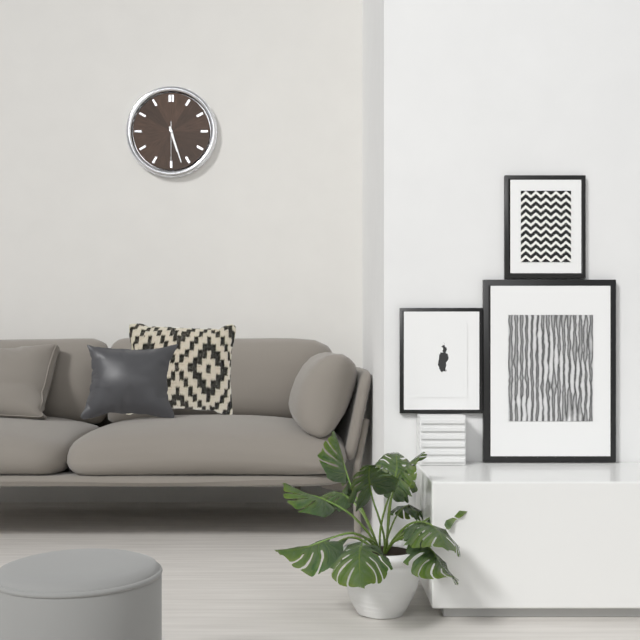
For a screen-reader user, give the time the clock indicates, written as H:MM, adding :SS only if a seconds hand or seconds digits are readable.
5:27
